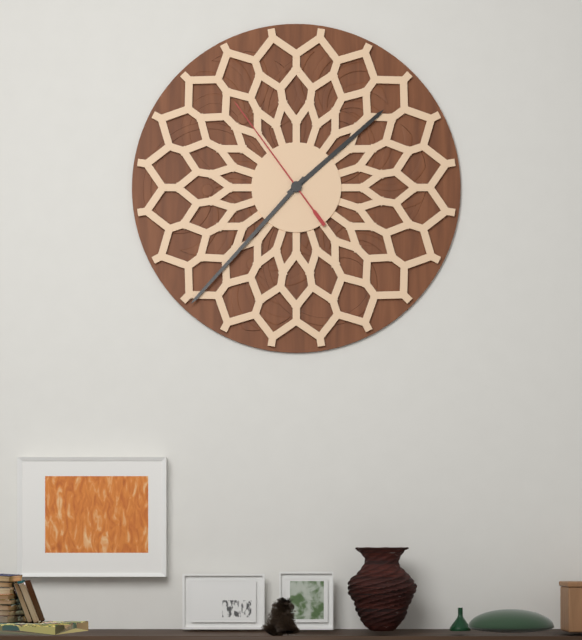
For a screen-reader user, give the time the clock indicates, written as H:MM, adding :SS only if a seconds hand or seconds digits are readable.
1:37:54
